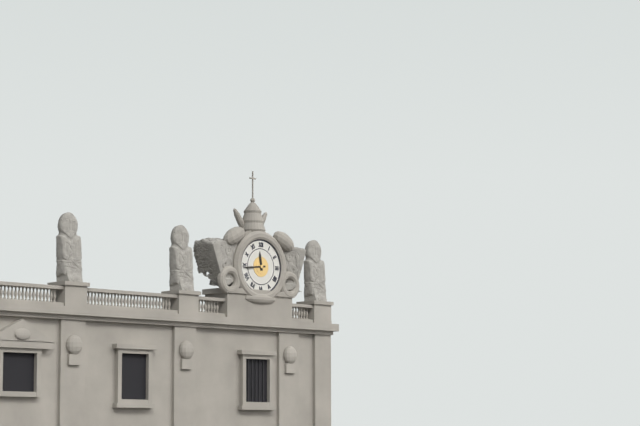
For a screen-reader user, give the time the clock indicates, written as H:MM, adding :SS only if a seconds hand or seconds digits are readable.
11:44
